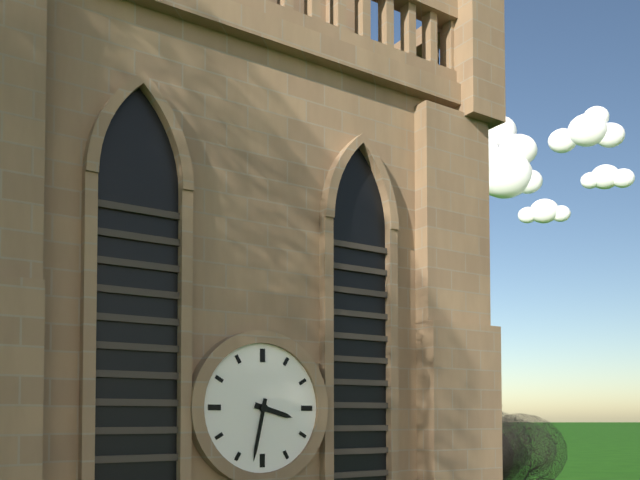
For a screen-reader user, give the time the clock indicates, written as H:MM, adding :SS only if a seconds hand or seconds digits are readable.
3:32
